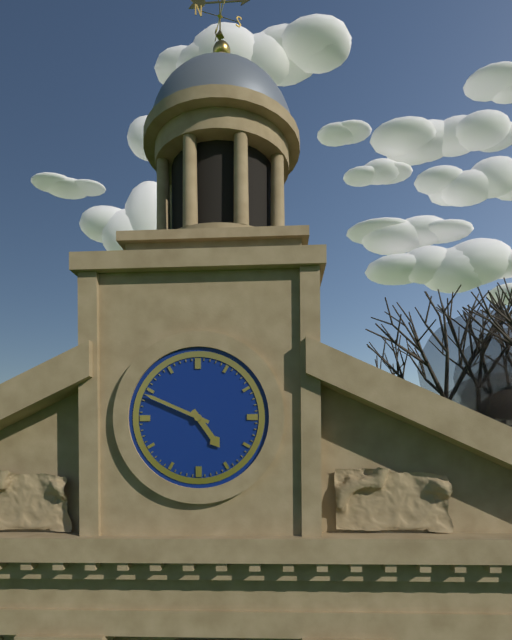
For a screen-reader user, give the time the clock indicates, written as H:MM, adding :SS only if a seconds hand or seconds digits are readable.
4:49
